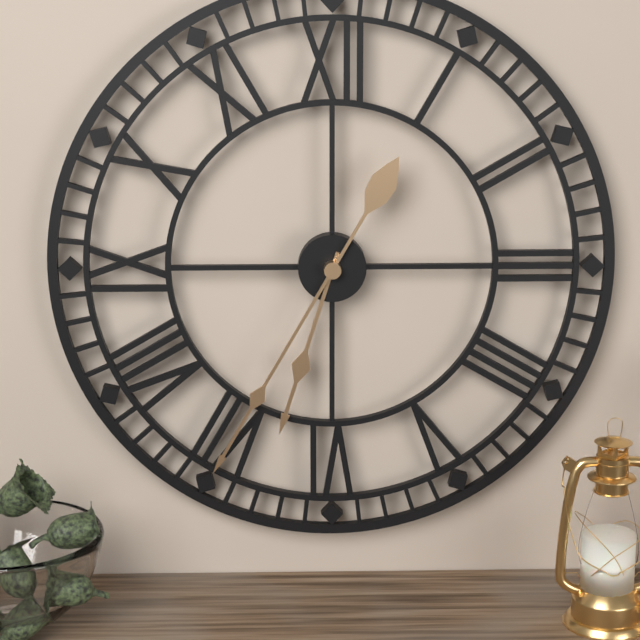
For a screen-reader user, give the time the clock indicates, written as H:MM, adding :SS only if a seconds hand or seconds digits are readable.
6:35
